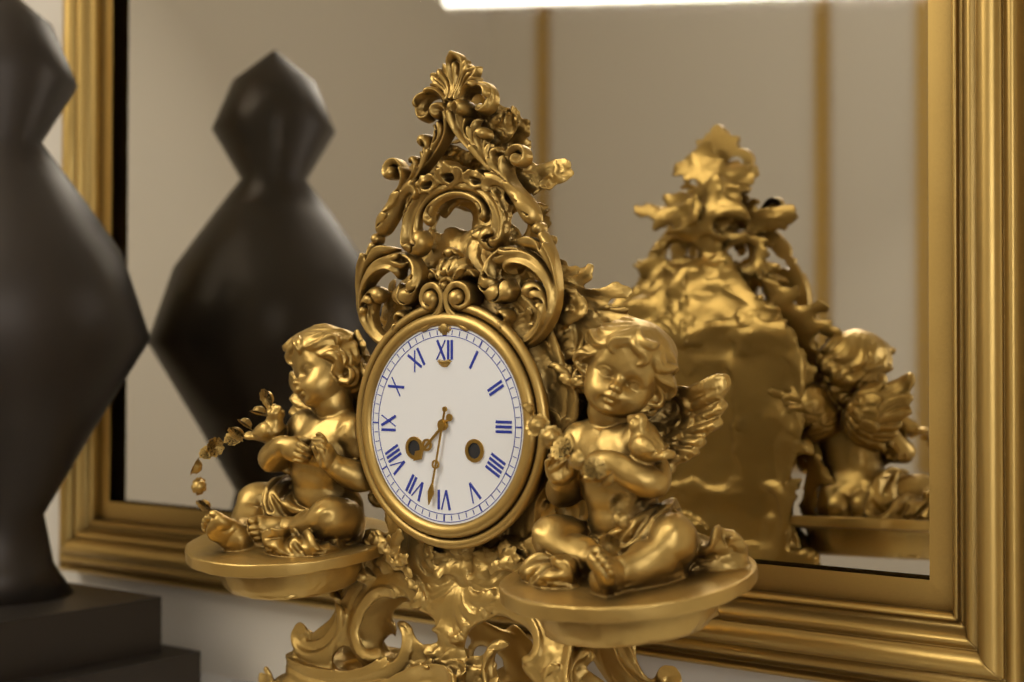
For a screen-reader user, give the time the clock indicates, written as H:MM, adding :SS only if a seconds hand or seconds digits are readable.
7:32
